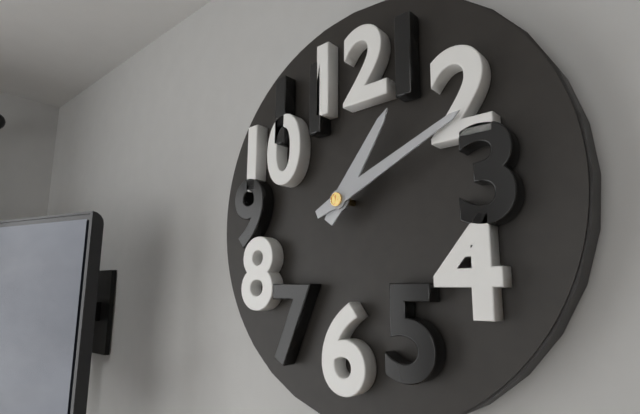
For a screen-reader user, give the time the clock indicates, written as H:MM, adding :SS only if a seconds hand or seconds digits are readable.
1:11
